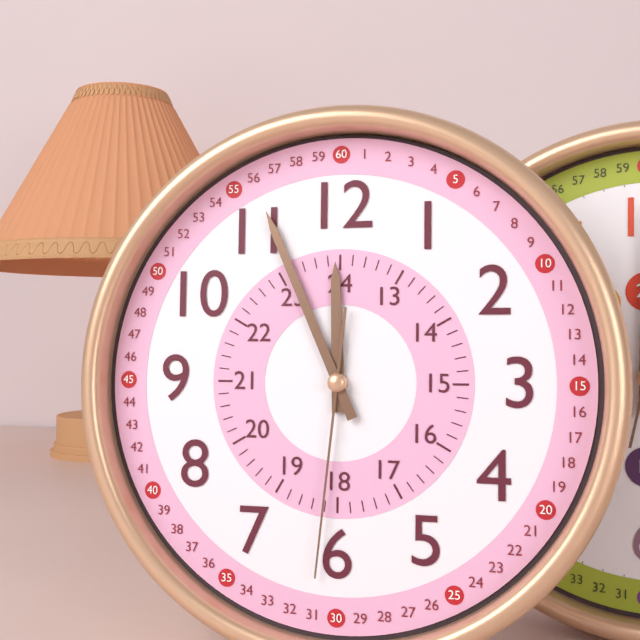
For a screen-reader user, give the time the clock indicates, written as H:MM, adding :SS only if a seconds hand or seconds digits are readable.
11:56:31
